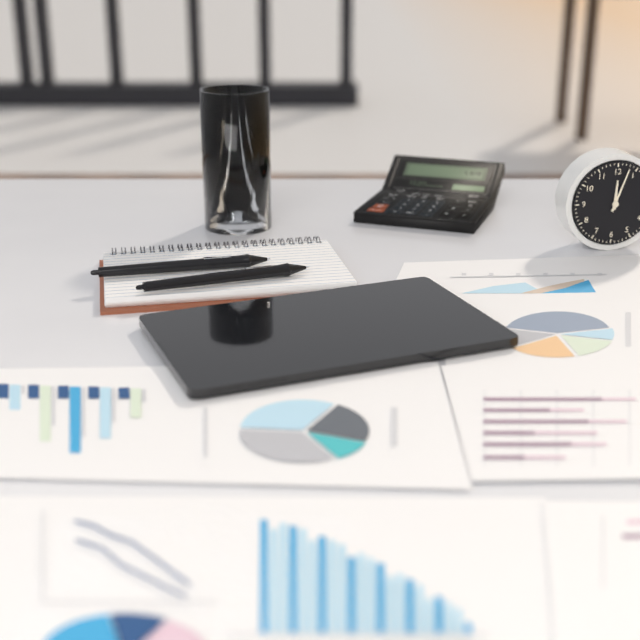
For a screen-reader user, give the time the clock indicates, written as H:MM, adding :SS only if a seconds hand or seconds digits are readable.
12:03
